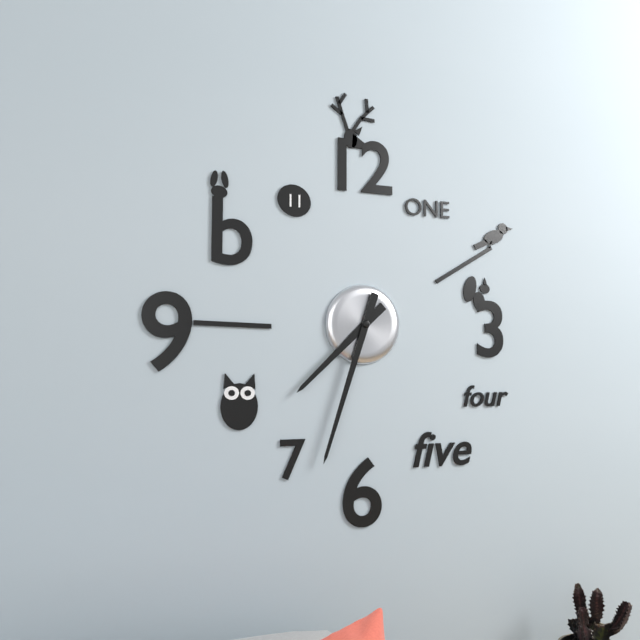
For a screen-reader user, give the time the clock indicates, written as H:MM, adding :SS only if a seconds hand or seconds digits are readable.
7:33
